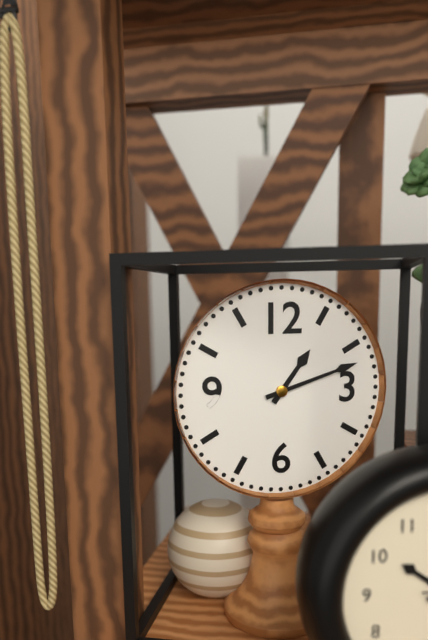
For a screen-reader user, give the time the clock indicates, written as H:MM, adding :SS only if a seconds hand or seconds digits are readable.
1:12
